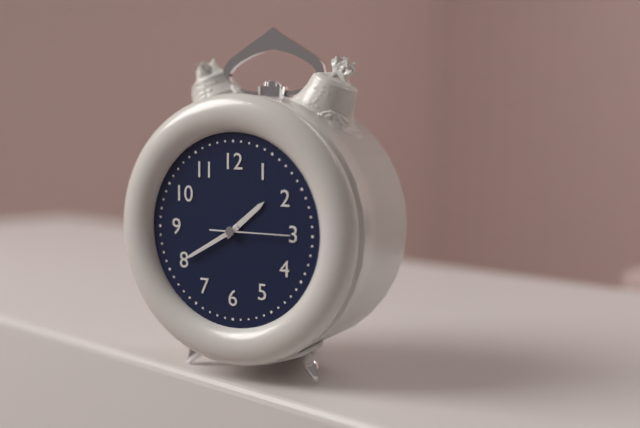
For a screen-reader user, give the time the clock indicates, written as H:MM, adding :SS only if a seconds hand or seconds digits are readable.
1:40:15
